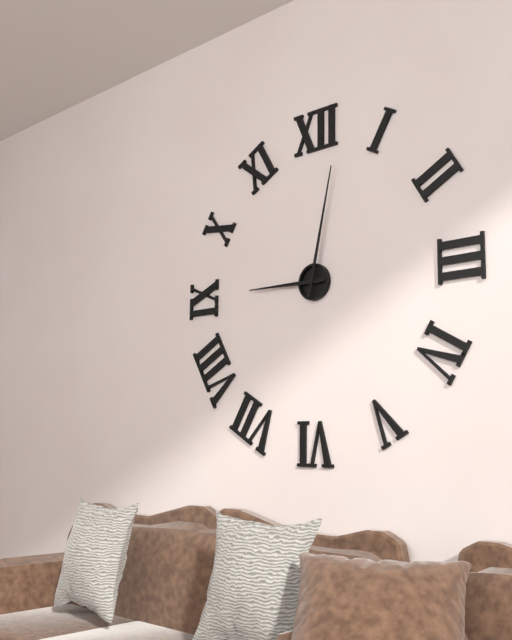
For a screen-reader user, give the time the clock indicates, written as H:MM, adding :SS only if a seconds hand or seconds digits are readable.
9:02
